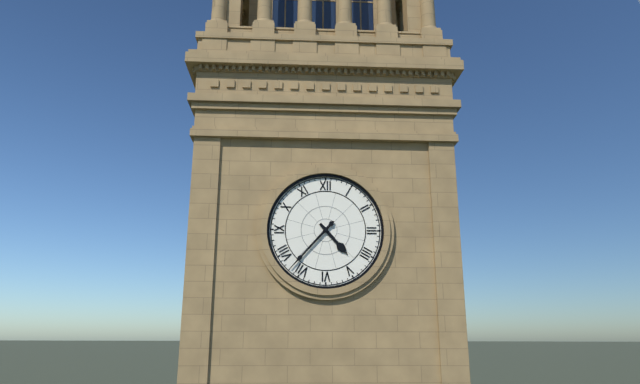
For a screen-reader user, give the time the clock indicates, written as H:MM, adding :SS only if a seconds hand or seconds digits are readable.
4:37
